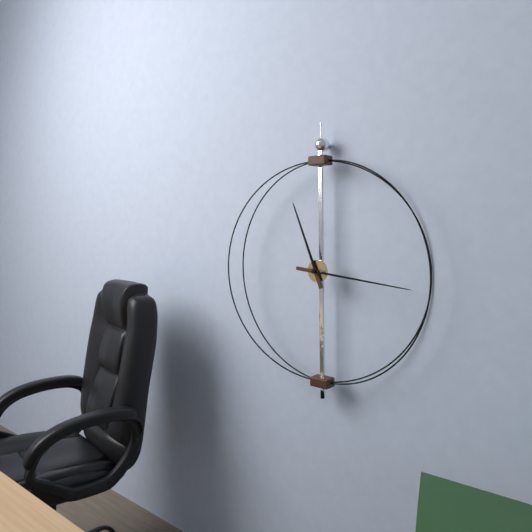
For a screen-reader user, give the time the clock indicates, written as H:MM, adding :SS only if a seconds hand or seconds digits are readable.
11:16
